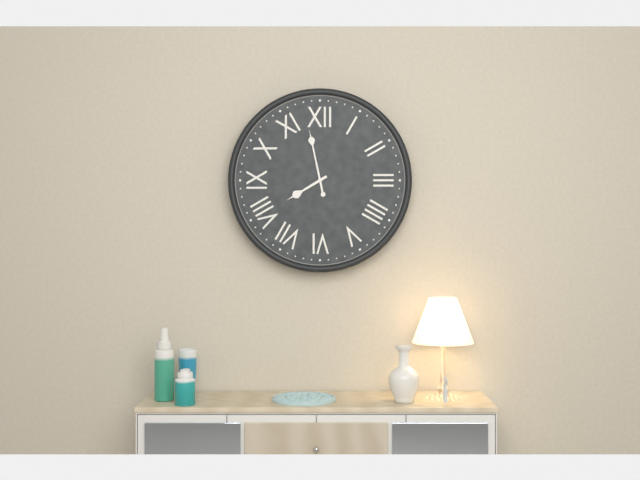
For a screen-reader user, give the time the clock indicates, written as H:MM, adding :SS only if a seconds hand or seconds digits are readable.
7:58
